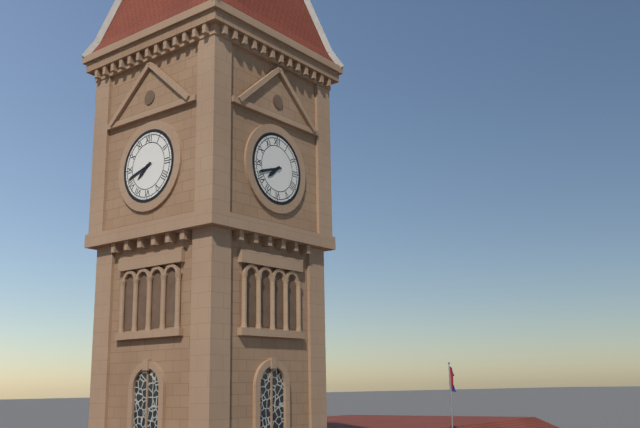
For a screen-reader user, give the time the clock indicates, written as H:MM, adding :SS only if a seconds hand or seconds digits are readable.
7:42
